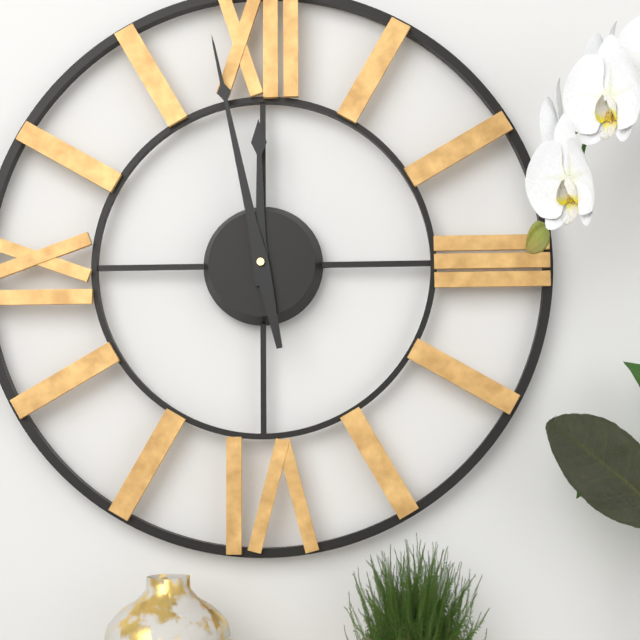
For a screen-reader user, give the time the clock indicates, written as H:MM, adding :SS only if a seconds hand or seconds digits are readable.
11:58
